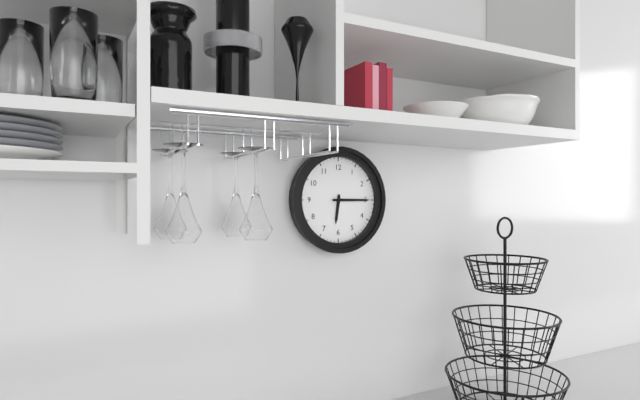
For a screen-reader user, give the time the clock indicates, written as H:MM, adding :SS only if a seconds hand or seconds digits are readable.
6:15
